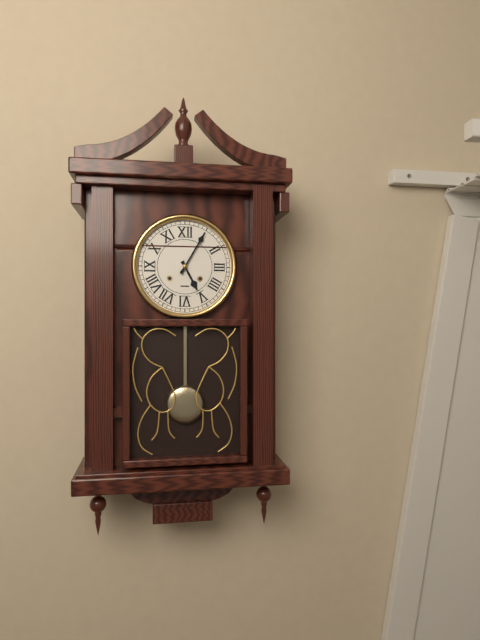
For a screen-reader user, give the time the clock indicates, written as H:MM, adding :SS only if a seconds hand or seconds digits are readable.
5:05
